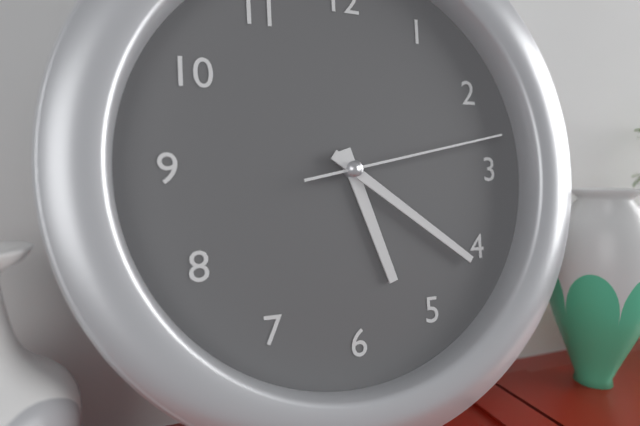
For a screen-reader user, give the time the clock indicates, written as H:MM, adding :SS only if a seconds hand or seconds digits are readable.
5:21:13
